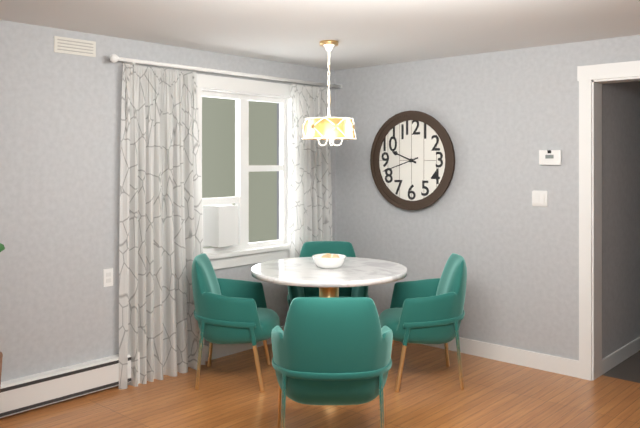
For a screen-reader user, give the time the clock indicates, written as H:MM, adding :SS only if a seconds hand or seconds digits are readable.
9:42
